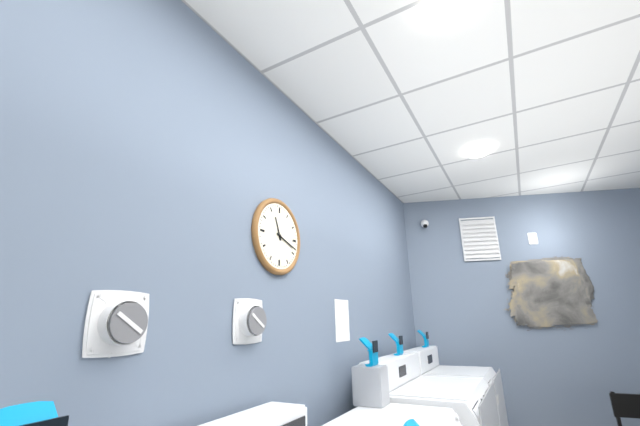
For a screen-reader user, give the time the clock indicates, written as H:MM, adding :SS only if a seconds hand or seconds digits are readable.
11:18
